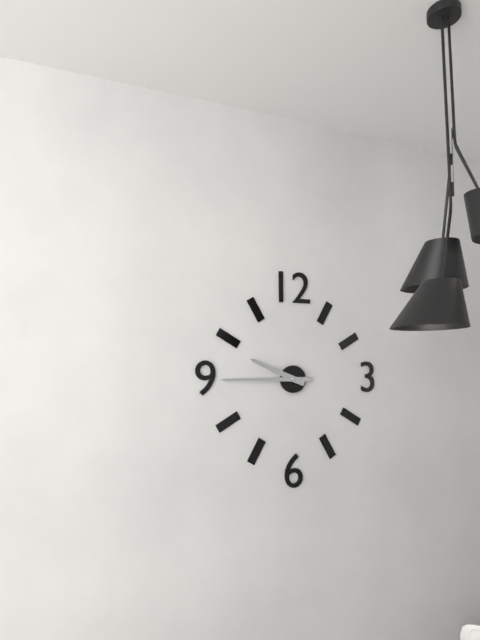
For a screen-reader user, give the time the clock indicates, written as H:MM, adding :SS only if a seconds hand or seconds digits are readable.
9:45
